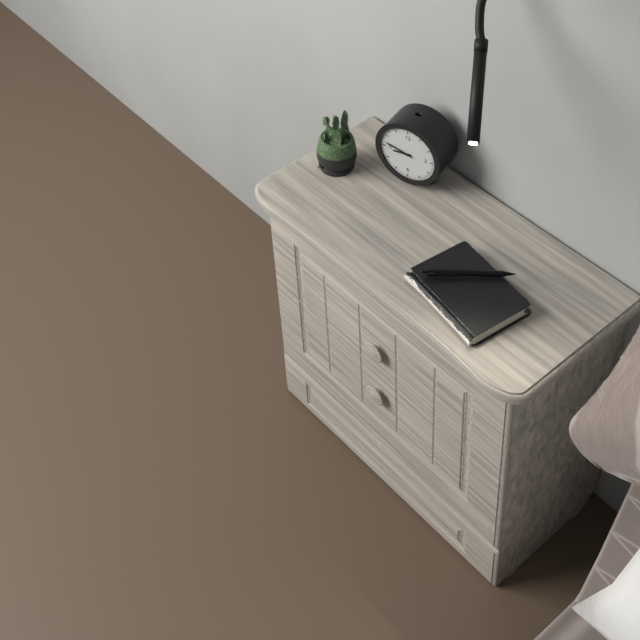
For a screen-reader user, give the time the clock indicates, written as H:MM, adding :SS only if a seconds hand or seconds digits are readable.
8:47
